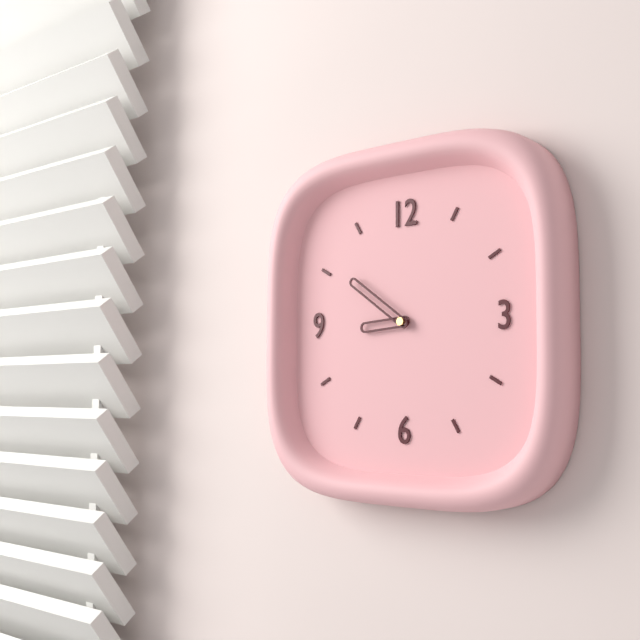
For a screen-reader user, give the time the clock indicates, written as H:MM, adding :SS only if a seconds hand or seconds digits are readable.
8:51
